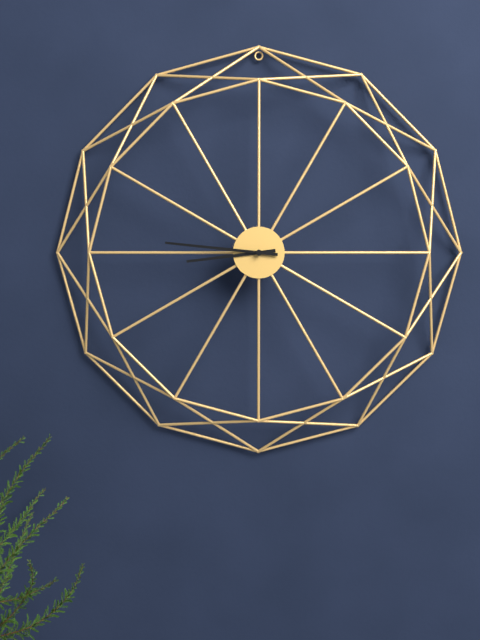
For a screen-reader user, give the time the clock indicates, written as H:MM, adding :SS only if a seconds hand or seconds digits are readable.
8:46
